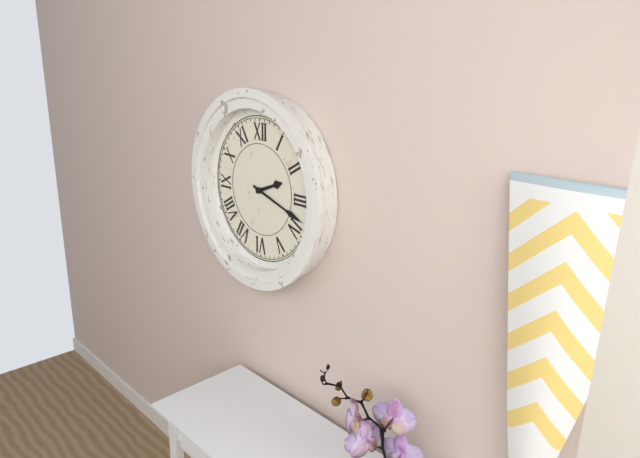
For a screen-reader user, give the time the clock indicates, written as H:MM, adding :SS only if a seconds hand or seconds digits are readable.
2:18
